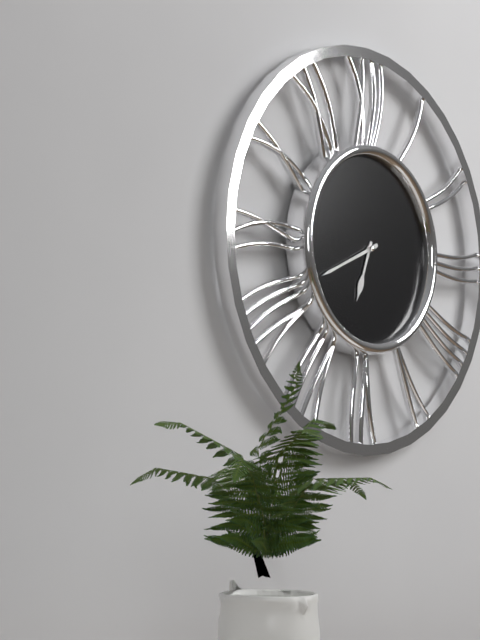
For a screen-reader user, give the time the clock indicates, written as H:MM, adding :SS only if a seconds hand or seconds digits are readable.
6:41
